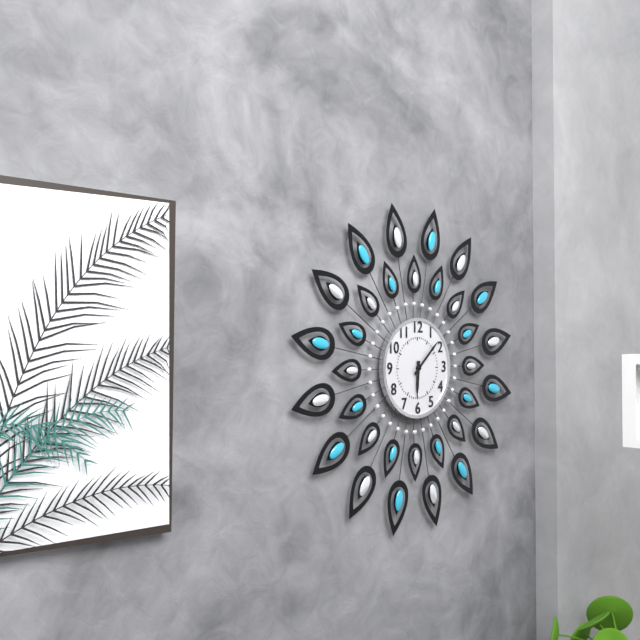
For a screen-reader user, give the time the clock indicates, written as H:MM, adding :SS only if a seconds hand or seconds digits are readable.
6:08
